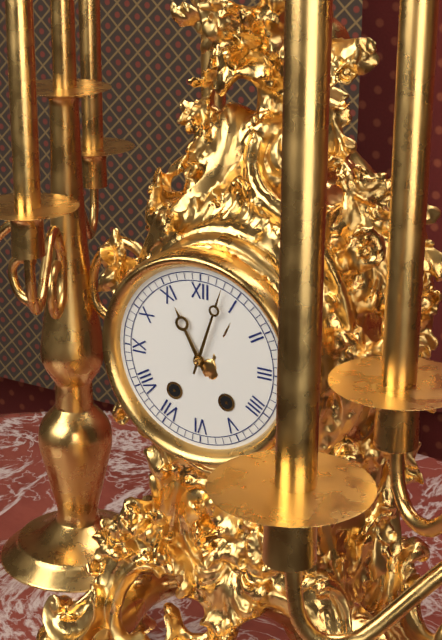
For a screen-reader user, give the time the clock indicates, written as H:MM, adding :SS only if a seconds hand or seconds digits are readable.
11:03
